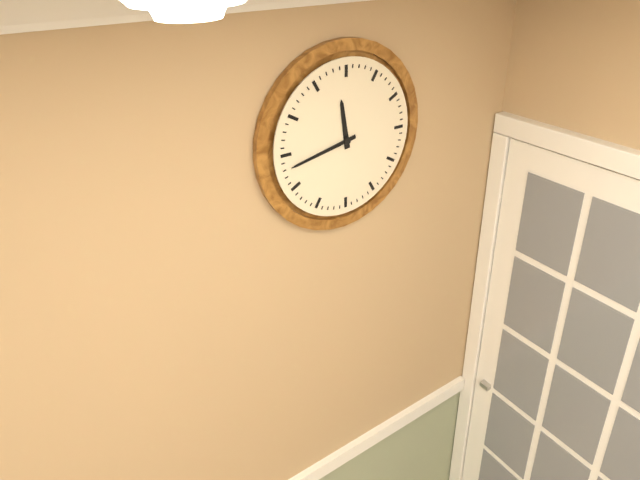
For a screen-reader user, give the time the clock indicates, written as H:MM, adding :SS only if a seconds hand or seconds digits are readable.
11:43
